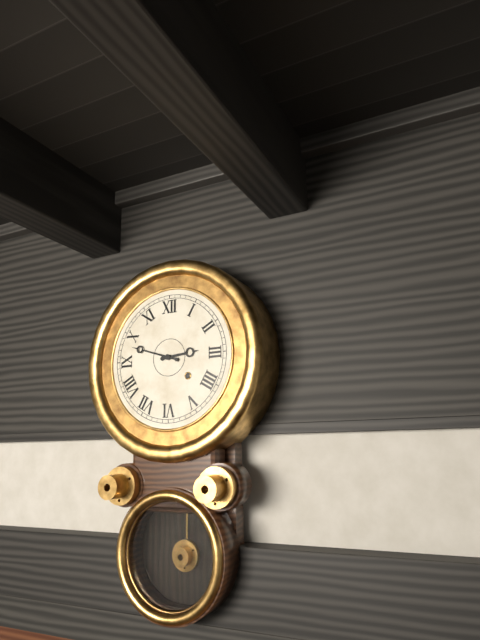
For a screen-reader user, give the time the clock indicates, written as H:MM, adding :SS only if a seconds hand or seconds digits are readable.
2:48
